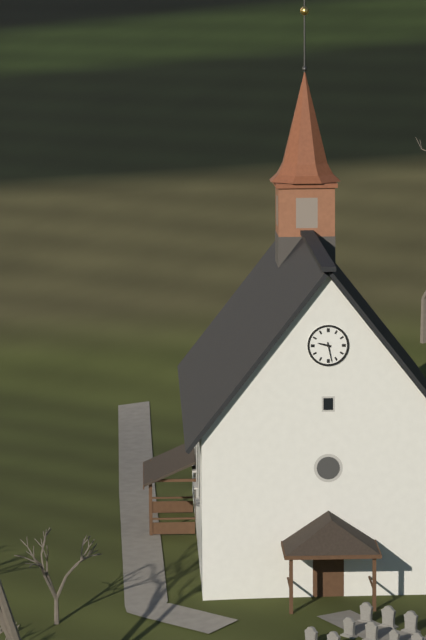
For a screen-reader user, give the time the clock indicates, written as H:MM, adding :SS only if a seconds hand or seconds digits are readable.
9:28
